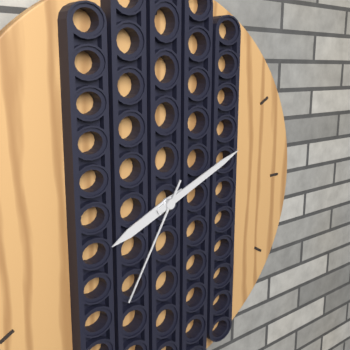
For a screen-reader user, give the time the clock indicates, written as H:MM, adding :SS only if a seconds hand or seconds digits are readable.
8:11:35
